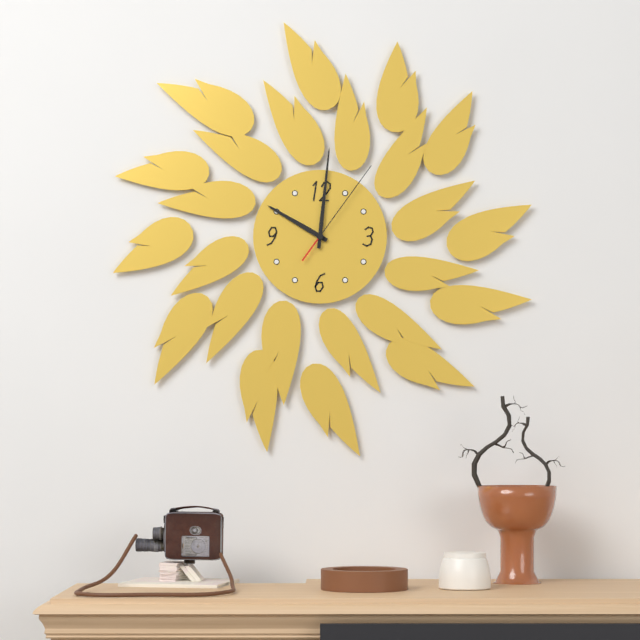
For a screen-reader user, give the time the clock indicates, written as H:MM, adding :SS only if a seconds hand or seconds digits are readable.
10:01:06
